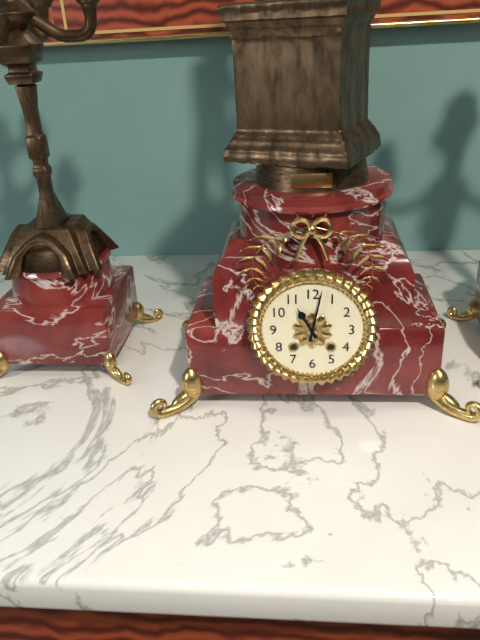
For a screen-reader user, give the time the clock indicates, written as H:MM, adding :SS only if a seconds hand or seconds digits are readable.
11:02
